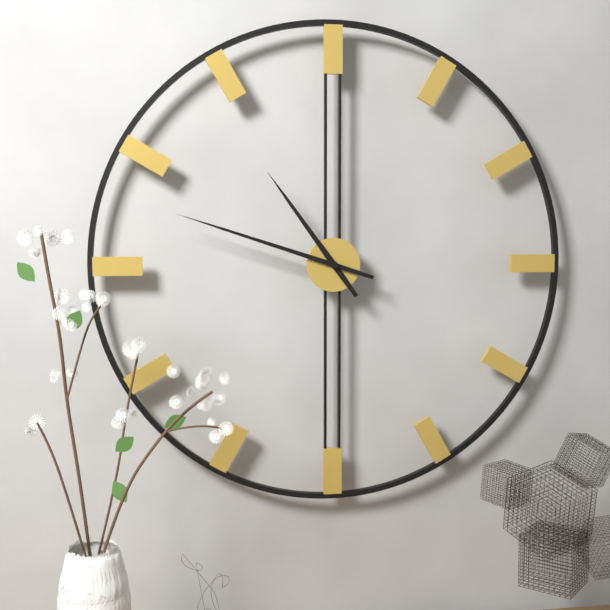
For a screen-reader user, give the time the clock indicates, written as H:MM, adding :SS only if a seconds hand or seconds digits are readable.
10:48
